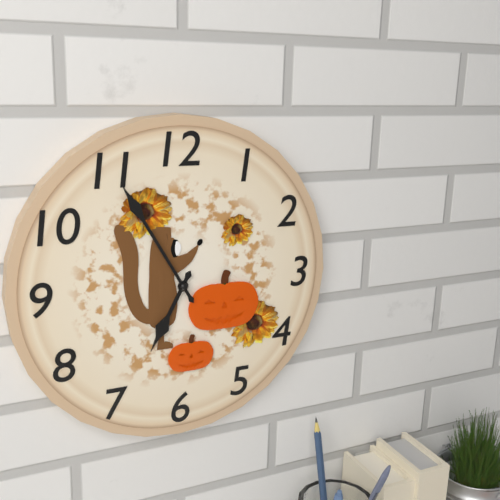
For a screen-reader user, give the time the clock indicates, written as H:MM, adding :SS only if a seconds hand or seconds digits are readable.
6:55
